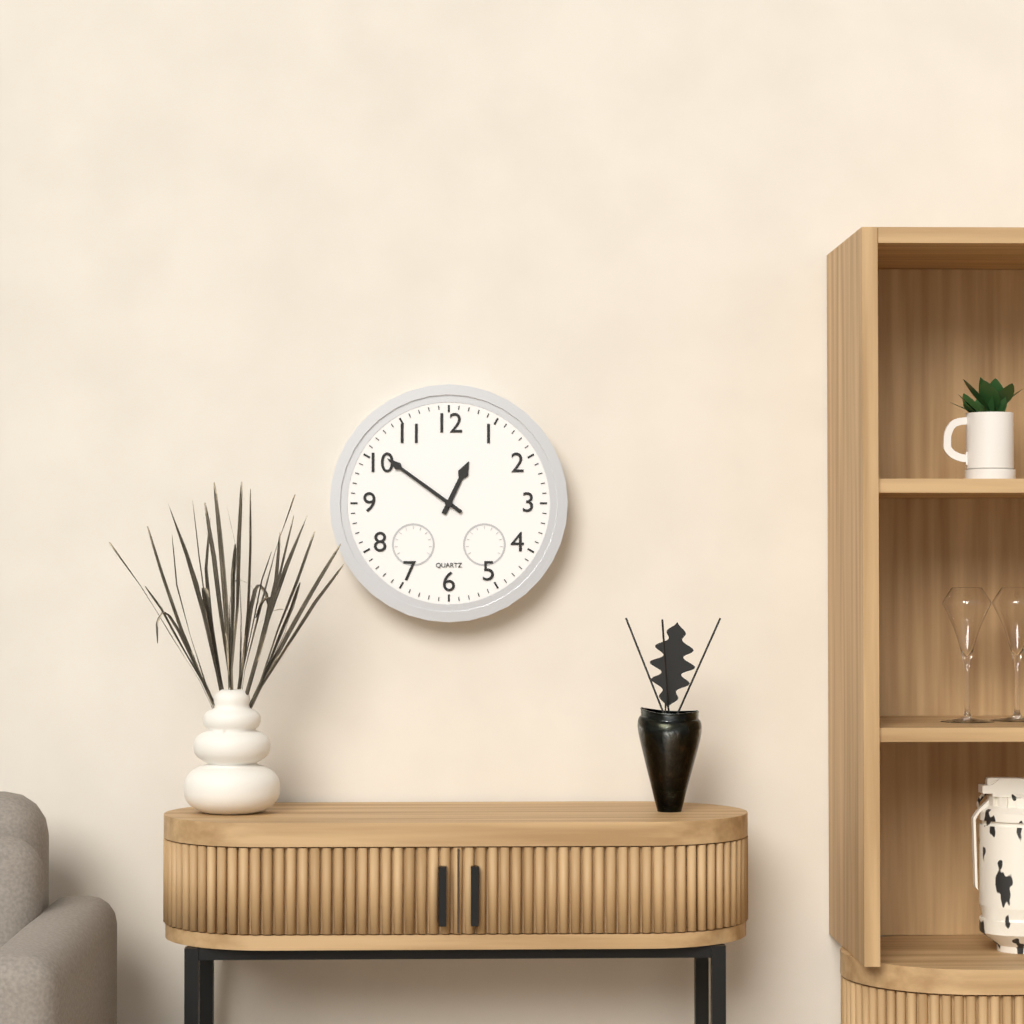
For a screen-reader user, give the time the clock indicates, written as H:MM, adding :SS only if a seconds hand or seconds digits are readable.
12:51
